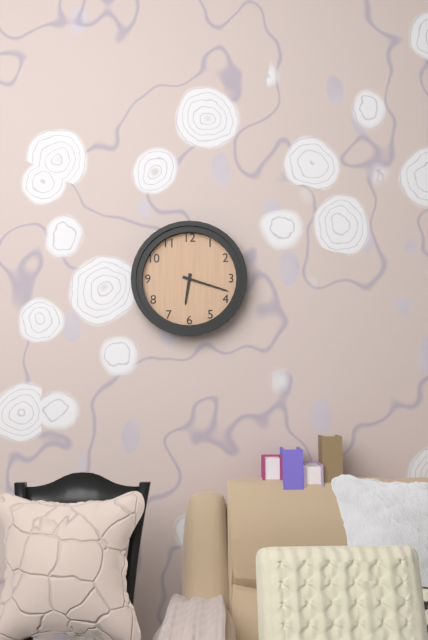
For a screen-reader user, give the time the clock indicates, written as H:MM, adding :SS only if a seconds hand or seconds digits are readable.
6:18
